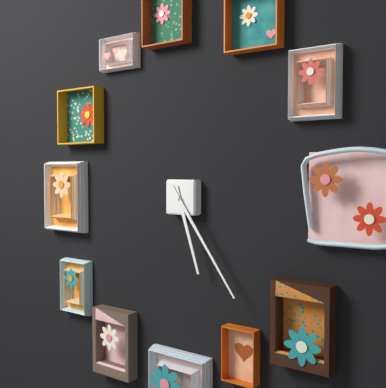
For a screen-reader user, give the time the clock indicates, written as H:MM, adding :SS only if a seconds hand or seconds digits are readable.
5:24
